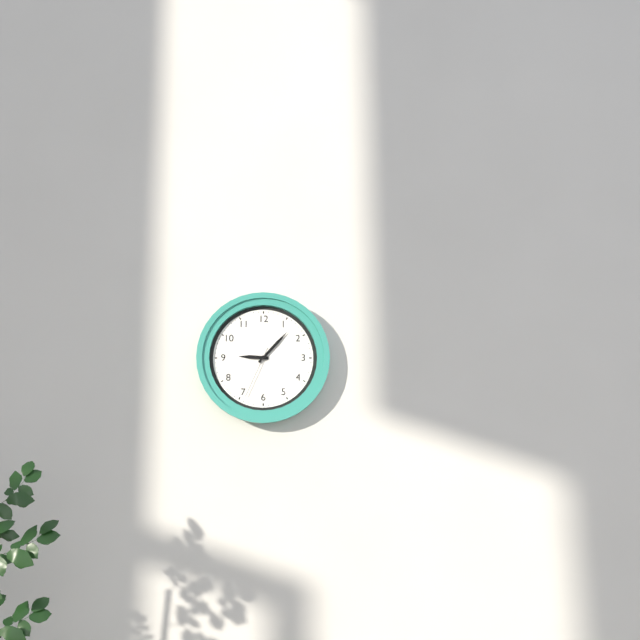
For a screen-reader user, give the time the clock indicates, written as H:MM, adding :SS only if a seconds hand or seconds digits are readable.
9:07:34
